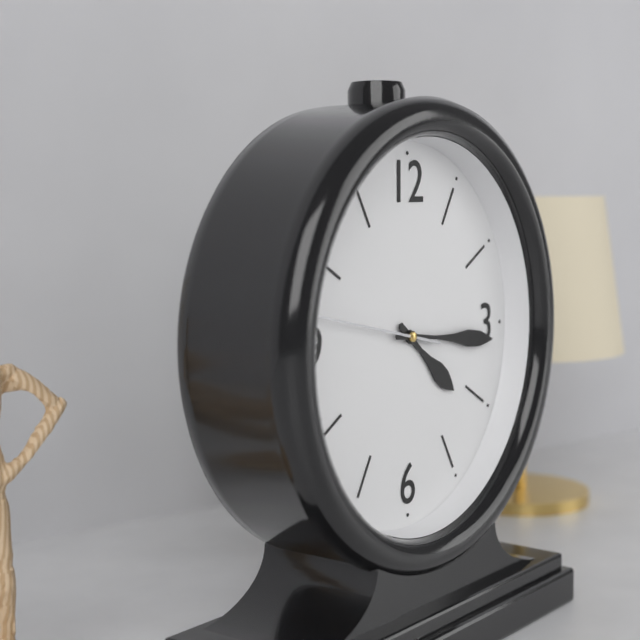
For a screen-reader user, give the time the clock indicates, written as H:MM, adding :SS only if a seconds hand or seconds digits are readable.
4:16:47
